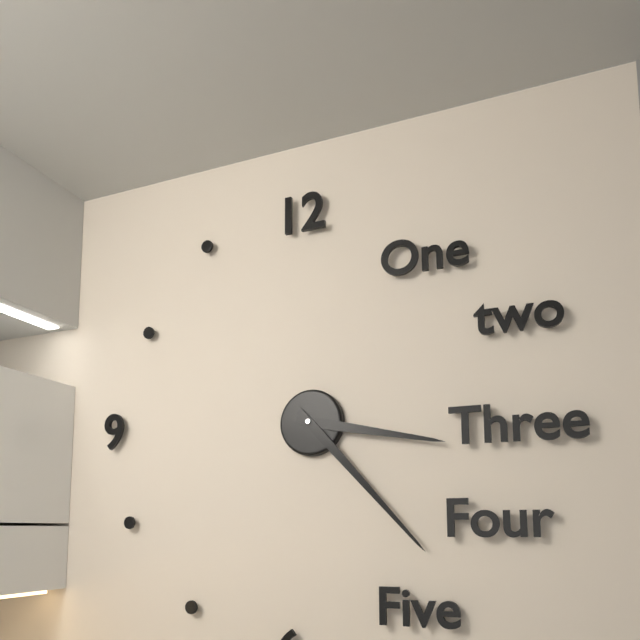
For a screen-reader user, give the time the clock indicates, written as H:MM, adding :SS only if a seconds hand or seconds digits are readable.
3:23
